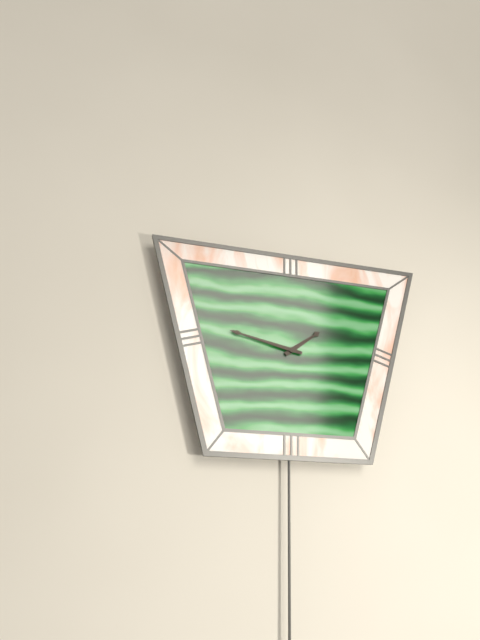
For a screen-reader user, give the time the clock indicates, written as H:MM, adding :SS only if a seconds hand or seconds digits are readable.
1:47
